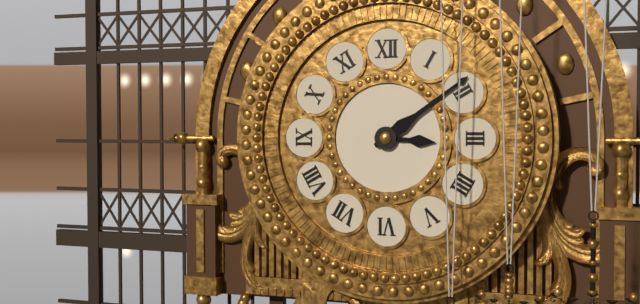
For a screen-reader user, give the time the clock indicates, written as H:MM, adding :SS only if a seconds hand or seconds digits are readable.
3:09
